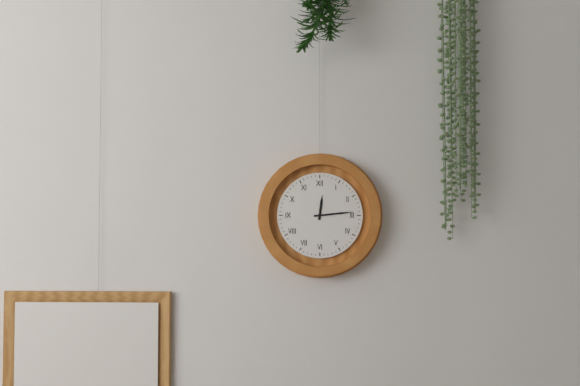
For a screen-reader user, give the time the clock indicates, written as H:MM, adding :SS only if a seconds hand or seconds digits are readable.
12:14
